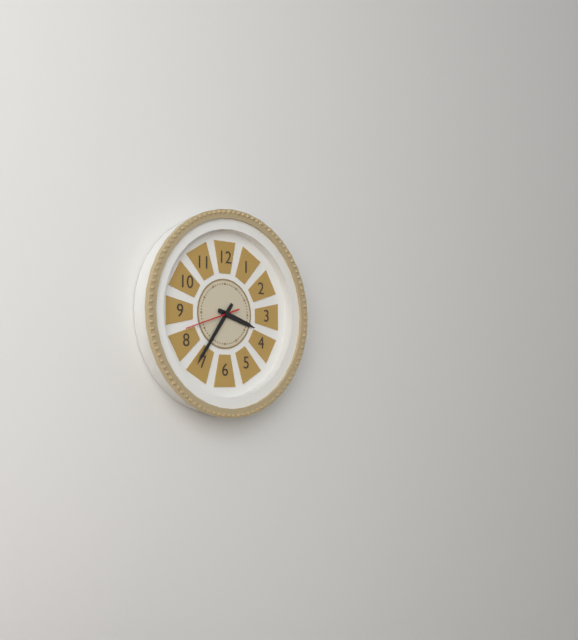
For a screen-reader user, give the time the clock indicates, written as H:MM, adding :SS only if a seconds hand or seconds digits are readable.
3:36:42
